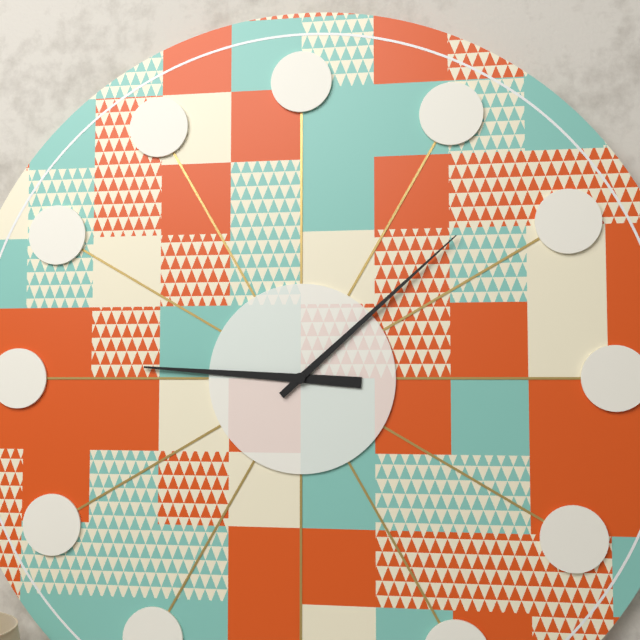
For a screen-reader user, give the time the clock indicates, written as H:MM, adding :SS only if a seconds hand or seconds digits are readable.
9:08
